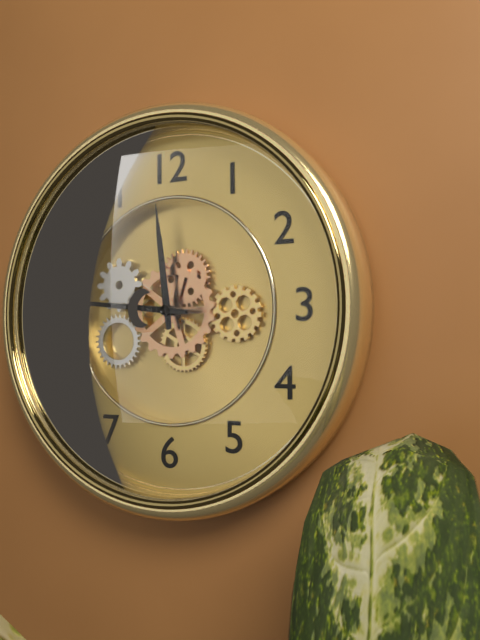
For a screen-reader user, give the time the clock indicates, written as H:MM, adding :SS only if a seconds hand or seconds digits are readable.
11:46
